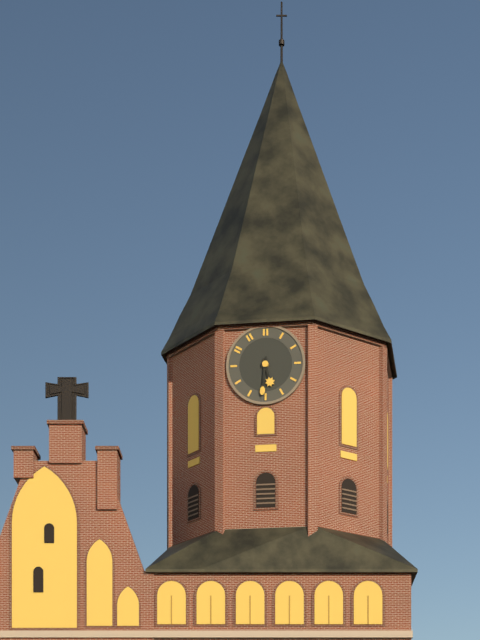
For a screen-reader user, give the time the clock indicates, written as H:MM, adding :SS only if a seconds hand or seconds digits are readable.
5:31
